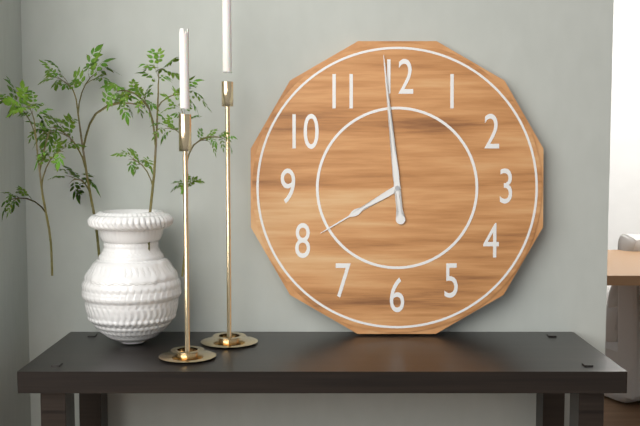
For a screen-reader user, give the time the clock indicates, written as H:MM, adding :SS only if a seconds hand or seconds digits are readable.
7:59
